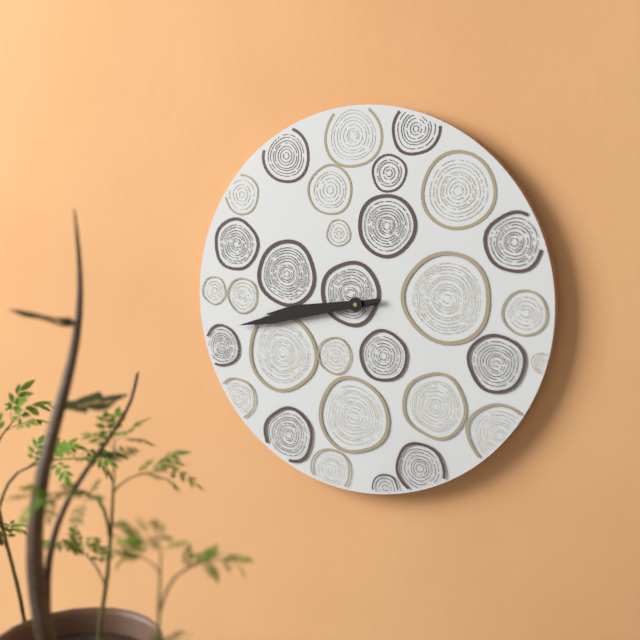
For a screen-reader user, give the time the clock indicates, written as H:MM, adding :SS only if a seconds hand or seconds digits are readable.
8:43
